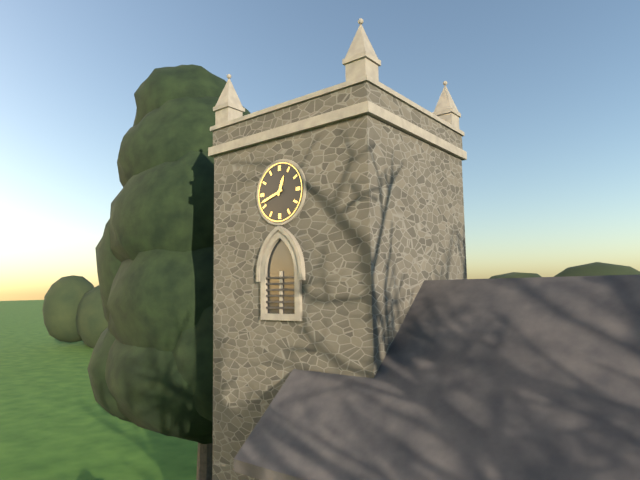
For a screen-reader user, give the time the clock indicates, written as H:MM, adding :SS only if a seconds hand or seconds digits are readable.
12:42
